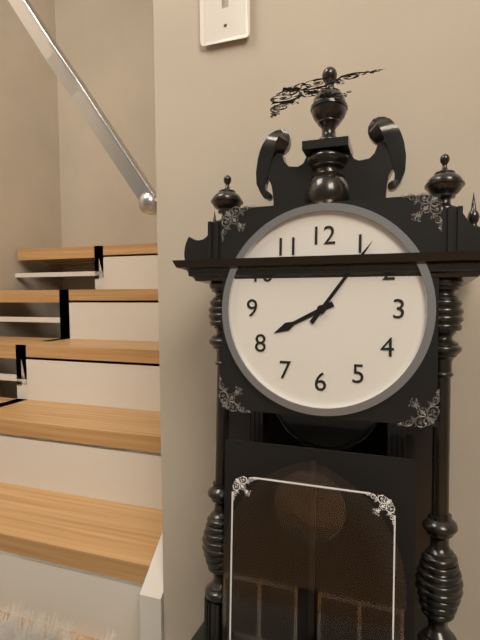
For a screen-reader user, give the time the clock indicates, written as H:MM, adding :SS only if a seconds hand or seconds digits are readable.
8:06
